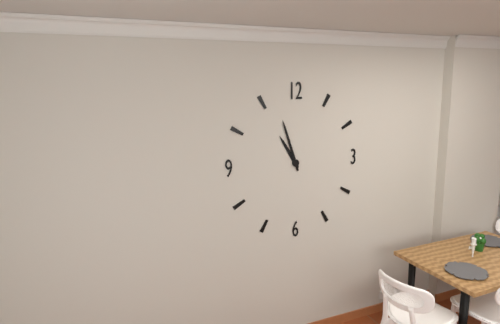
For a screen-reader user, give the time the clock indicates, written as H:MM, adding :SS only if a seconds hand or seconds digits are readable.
10:57
